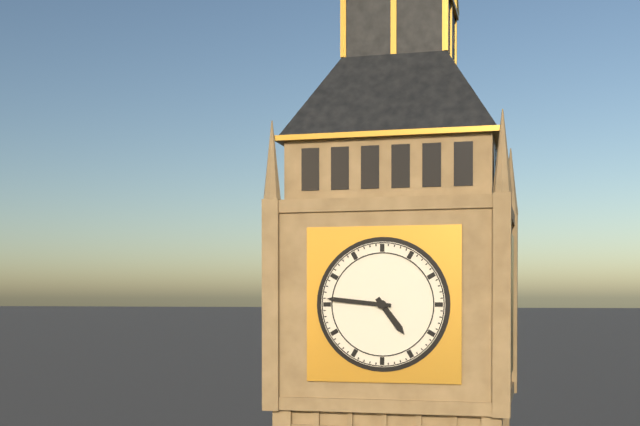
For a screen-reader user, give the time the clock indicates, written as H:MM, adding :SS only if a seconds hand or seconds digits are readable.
4:46
